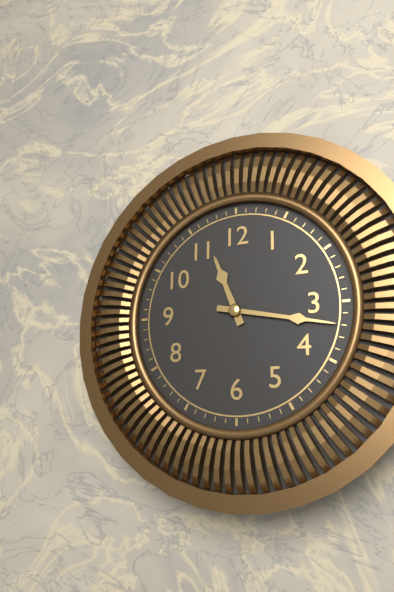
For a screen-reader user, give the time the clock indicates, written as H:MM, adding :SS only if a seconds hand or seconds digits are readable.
11:17
